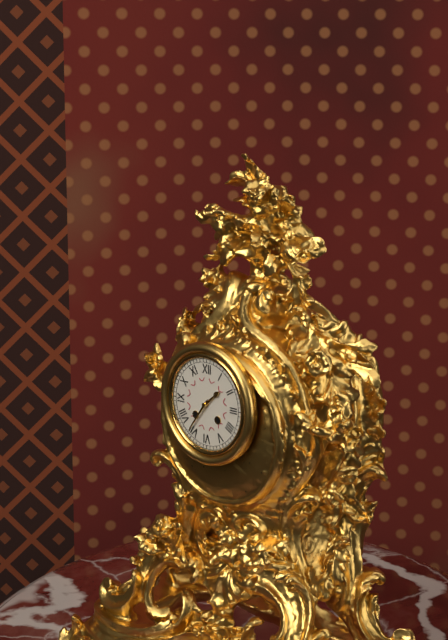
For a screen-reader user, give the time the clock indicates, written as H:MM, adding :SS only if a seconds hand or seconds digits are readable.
1:36
